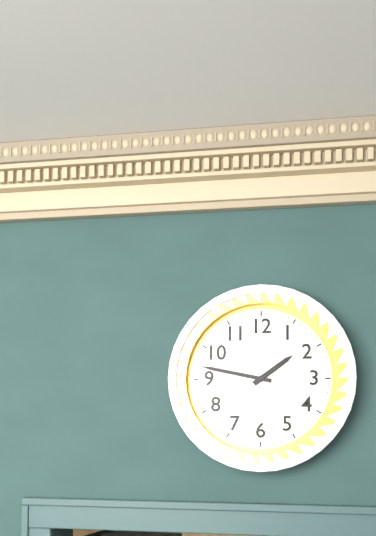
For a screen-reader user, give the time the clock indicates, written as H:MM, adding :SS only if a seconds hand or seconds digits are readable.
1:47
